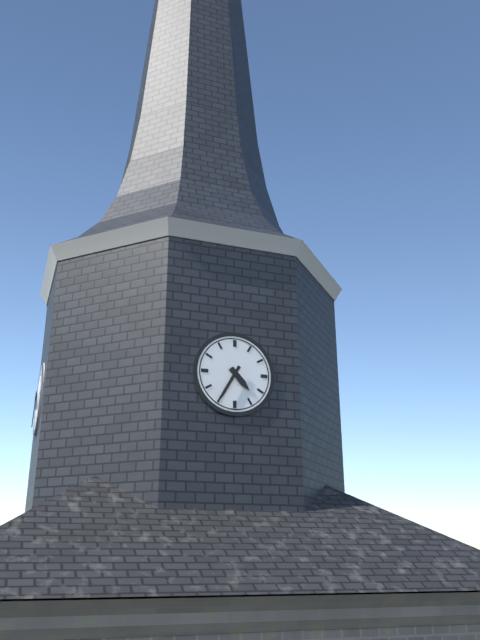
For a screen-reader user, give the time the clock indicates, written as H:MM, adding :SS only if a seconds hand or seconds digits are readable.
4:35
